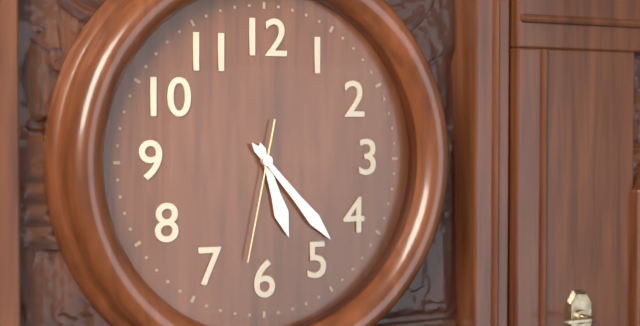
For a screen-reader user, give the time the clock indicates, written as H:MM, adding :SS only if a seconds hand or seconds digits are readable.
5:23:32
